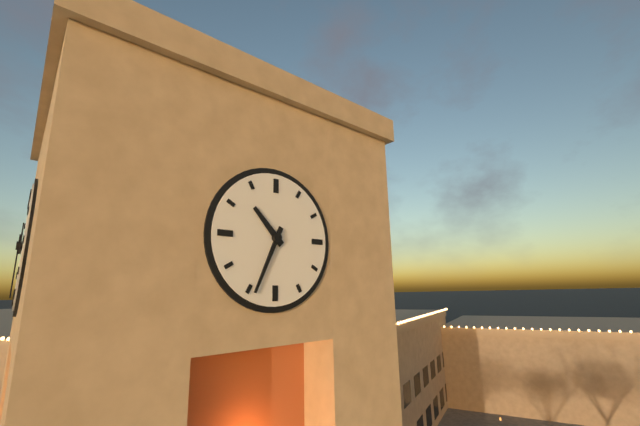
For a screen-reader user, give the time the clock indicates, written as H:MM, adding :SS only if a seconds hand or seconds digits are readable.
10:34
